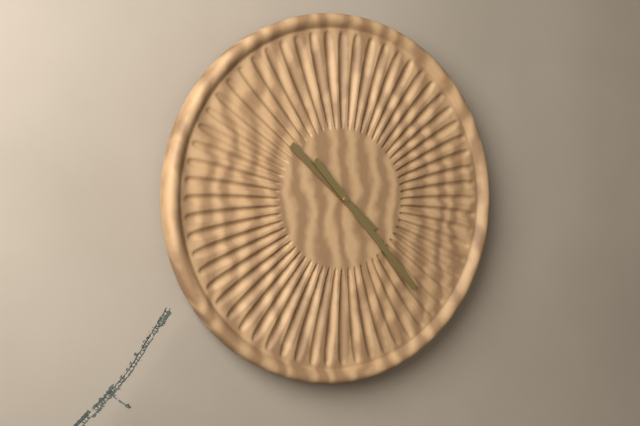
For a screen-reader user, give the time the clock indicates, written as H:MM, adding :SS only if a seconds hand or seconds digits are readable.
10:23
